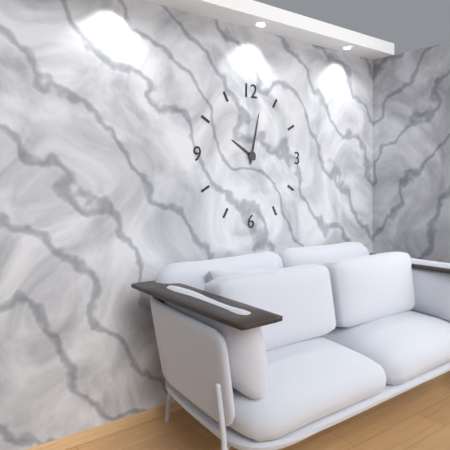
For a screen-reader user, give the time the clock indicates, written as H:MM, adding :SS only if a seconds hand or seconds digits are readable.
10:02
